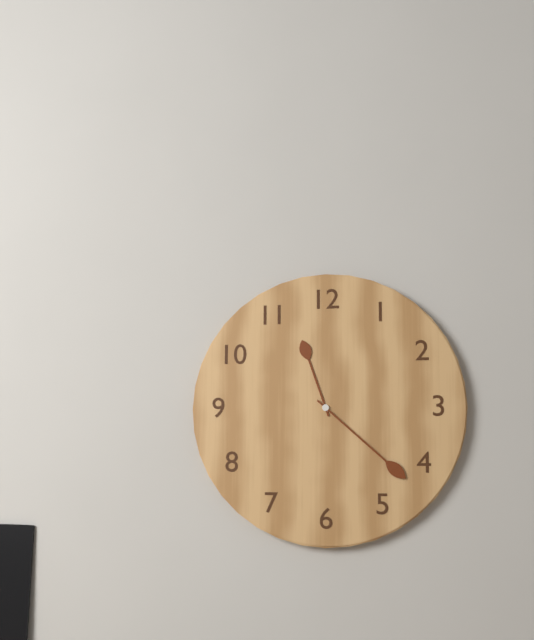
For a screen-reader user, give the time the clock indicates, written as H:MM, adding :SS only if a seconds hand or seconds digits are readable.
11:22
